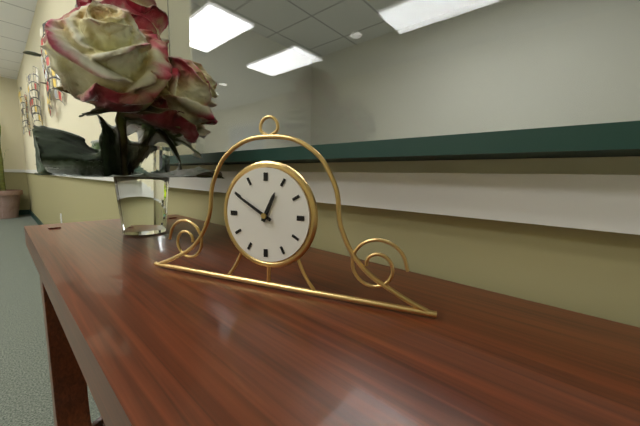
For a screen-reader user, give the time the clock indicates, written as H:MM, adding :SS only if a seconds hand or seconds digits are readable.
12:50
